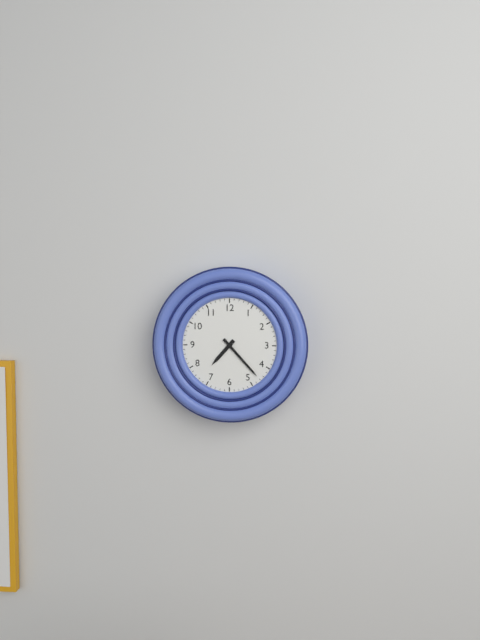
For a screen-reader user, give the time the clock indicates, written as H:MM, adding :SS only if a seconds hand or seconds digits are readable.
7:23
